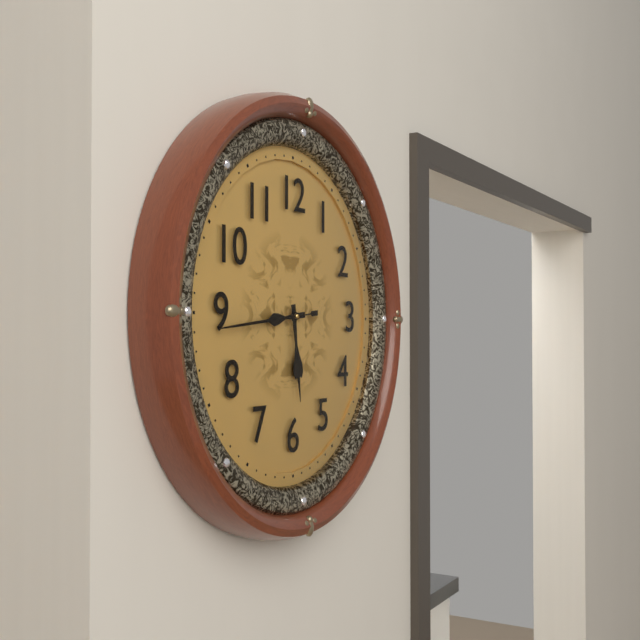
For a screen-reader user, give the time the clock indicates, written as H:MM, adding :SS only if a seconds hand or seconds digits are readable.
5:44:44
